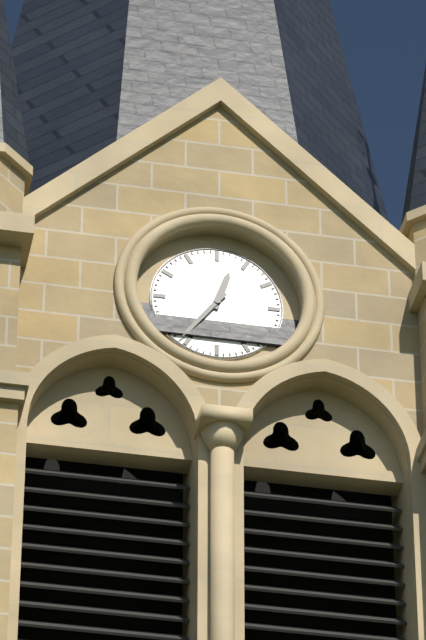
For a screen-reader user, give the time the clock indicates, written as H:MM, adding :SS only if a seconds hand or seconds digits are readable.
12:36
